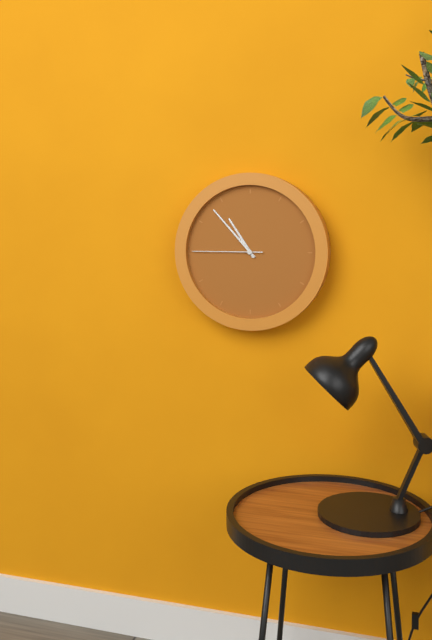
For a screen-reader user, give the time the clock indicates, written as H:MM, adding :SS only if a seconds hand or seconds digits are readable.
10:53:45
